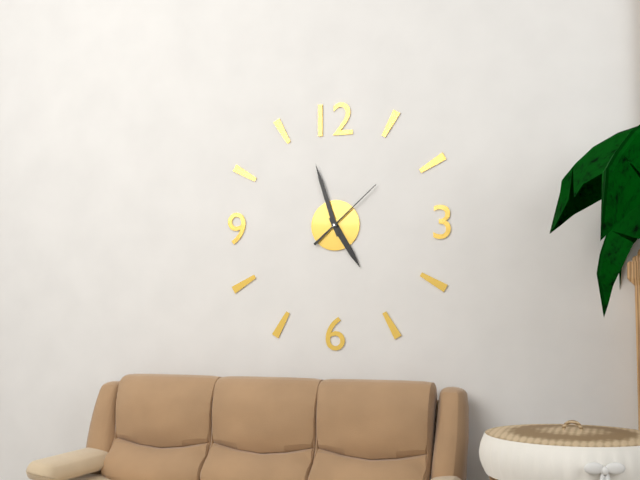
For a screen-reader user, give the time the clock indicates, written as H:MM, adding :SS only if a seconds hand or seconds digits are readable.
4:57:08
